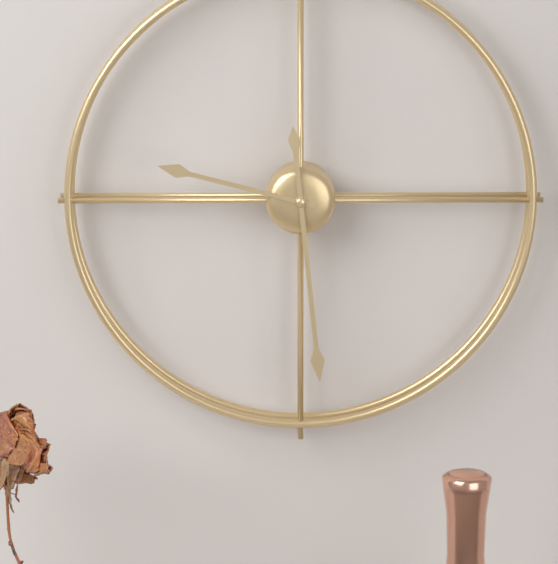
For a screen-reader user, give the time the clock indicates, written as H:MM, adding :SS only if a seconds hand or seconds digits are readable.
9:29
